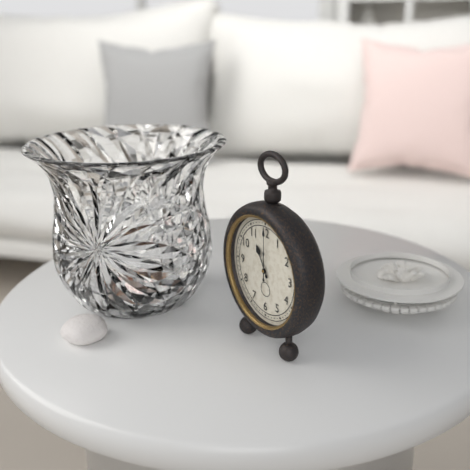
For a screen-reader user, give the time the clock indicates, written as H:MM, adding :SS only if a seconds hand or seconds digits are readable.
11:00
